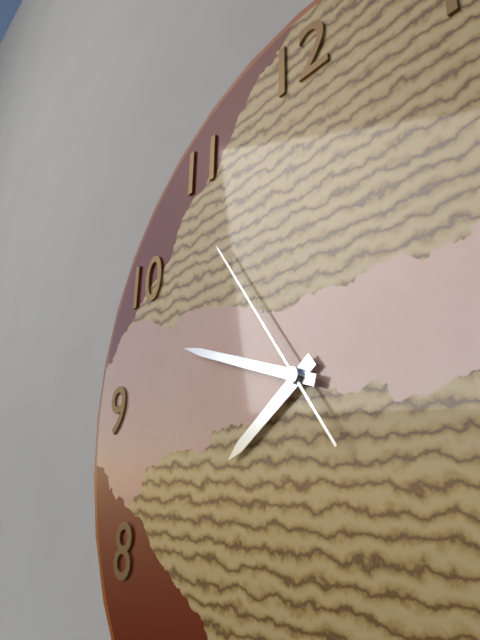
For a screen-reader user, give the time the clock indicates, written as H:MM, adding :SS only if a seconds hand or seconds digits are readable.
7:48:54
